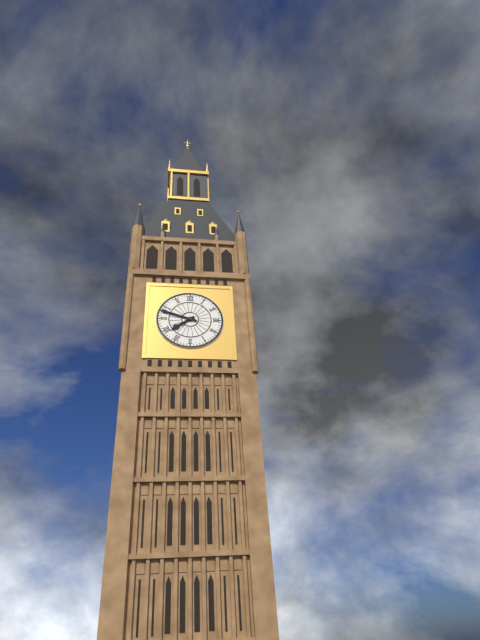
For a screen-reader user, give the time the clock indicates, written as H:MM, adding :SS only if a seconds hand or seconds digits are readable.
7:48
